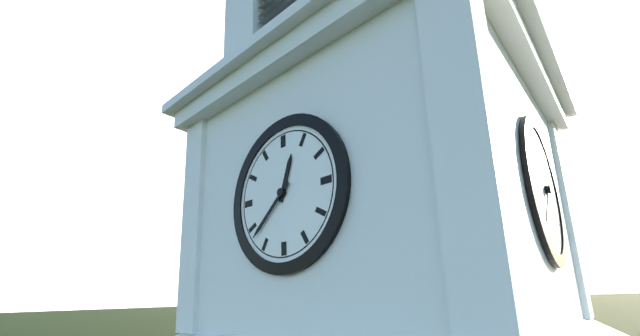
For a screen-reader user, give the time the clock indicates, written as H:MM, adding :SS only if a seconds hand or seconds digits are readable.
12:38
